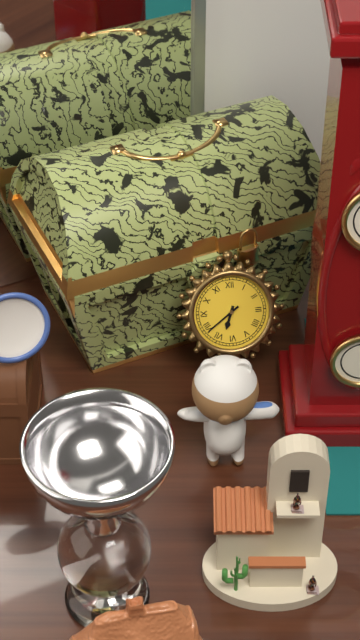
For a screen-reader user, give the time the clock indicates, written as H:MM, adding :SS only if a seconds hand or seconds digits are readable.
6:39
